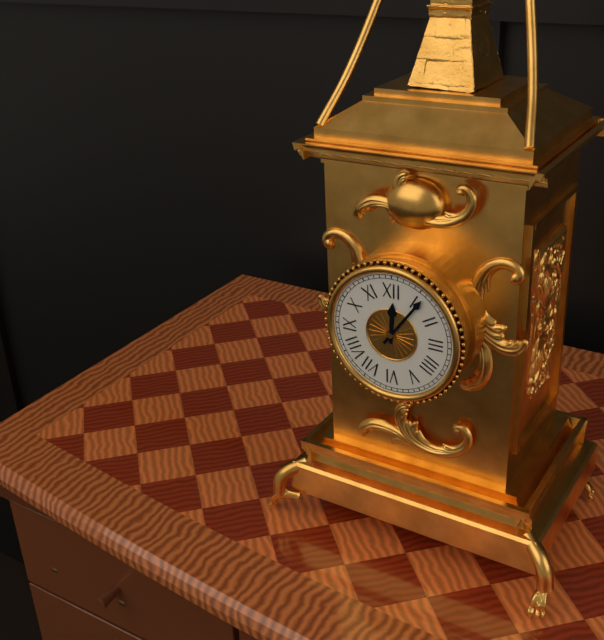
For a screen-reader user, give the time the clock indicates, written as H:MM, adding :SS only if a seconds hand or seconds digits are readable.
12:06
